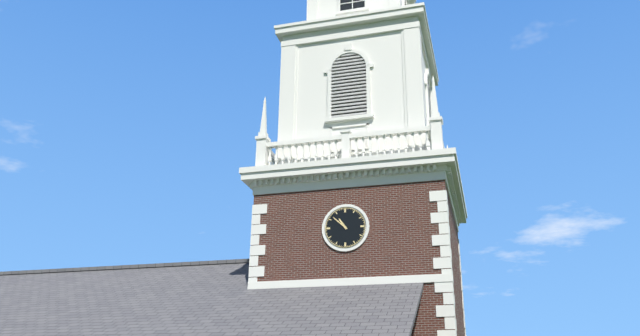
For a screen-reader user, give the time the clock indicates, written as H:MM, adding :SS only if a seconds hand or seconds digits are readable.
10:52
